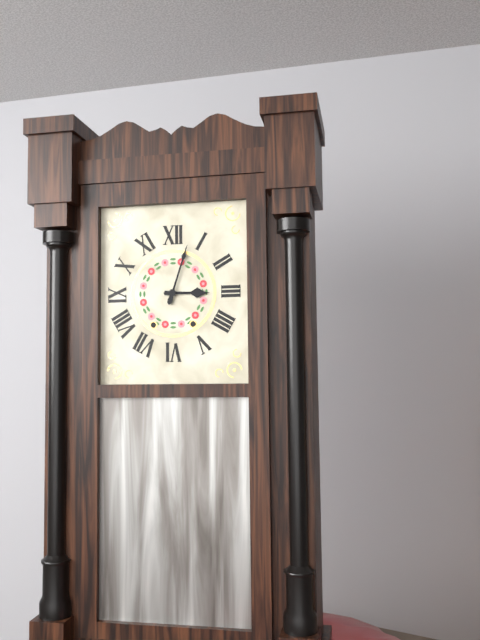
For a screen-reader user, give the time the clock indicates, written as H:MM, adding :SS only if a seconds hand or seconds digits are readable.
3:03
